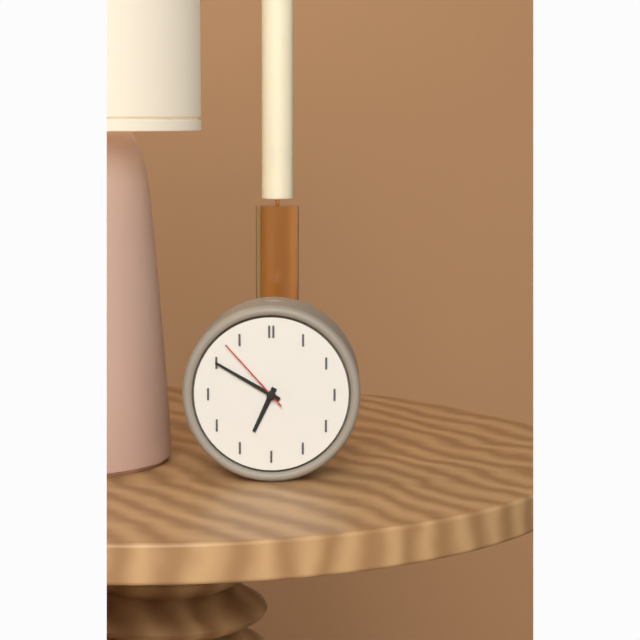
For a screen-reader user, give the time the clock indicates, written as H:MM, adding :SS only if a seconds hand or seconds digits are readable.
6:50:53
